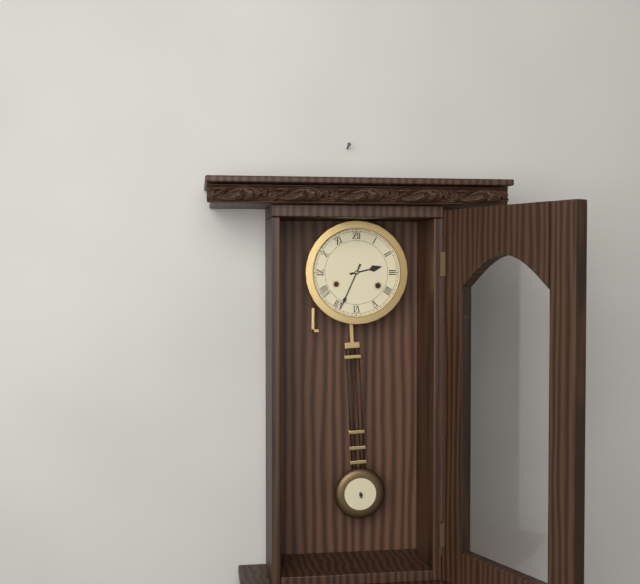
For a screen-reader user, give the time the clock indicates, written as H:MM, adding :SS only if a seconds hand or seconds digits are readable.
2:34
